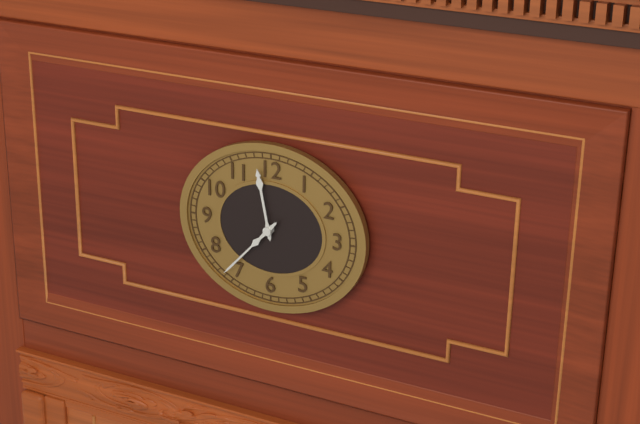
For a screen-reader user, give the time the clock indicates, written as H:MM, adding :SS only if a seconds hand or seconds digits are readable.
11:37
